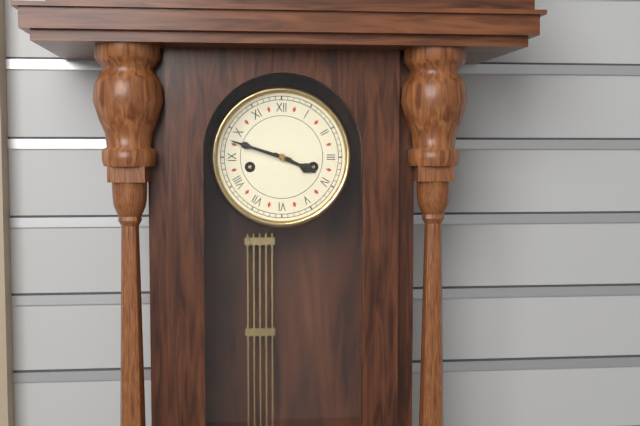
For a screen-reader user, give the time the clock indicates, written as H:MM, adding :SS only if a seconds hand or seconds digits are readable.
3:48
